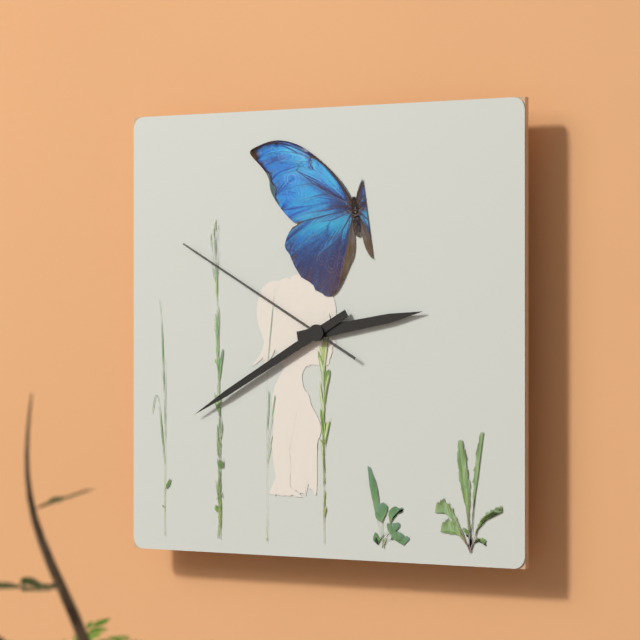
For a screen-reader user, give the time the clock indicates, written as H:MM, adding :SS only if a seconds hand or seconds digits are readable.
2:40:50
